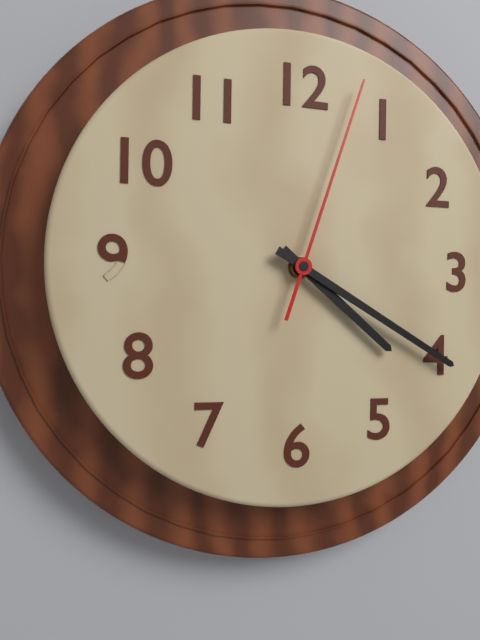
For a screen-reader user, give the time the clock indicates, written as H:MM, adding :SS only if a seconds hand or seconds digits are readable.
4:20:03
